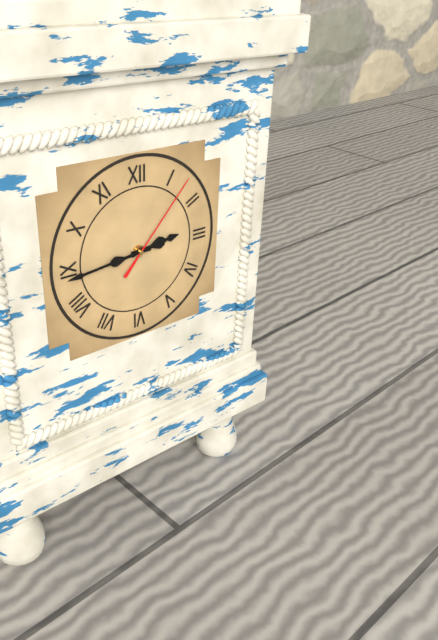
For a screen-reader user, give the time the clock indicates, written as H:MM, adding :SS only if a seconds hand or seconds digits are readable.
2:44:07
